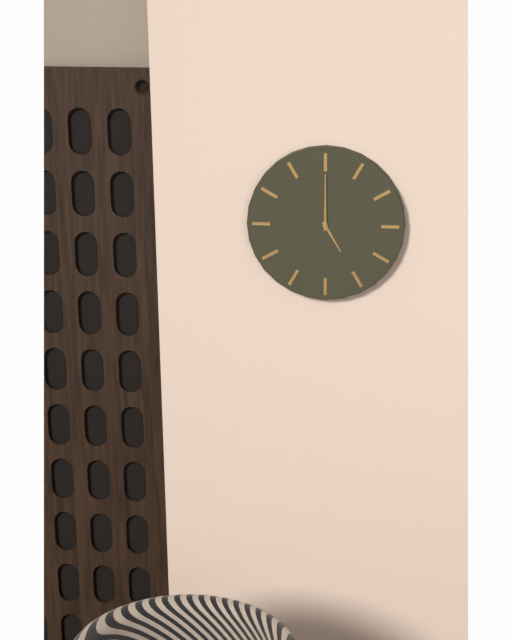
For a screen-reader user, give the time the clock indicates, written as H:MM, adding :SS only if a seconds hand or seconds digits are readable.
5:00
